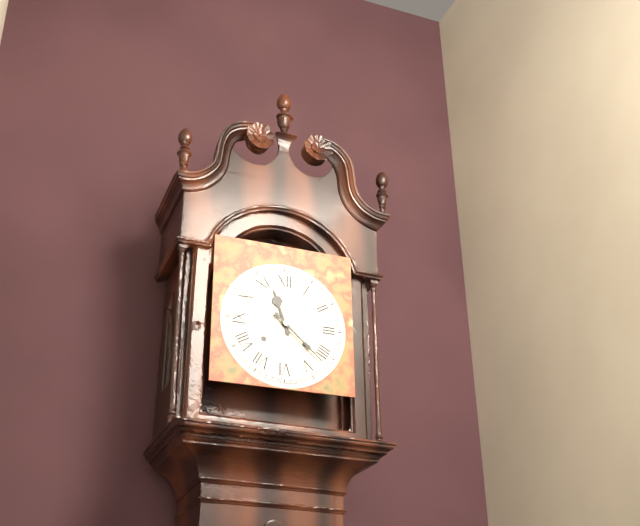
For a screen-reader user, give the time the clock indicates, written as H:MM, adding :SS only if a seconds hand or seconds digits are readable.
11:22
